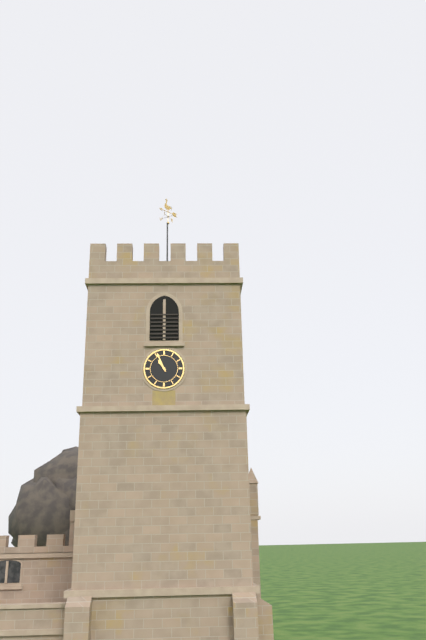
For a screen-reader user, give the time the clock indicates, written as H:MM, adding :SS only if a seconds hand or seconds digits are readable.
10:56
